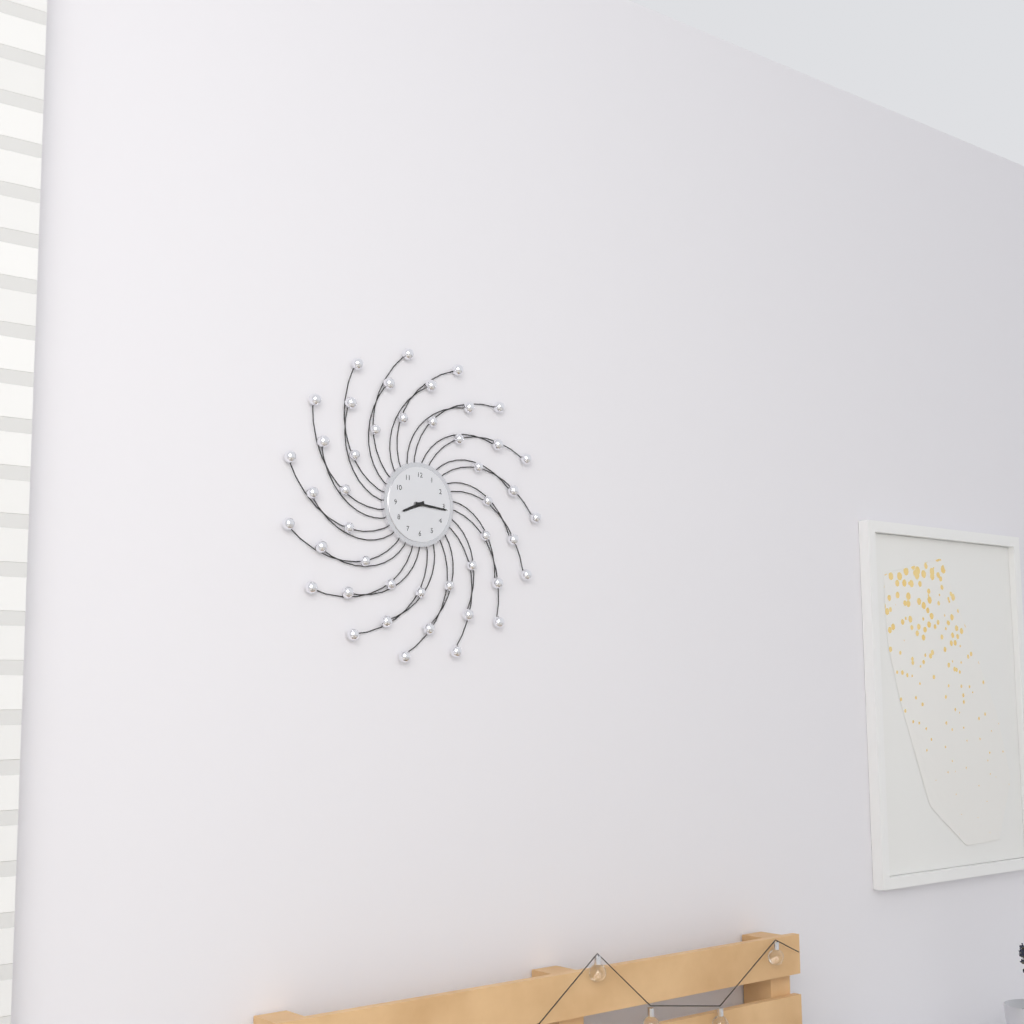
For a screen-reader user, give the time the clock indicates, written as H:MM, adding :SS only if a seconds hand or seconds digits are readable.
8:16
